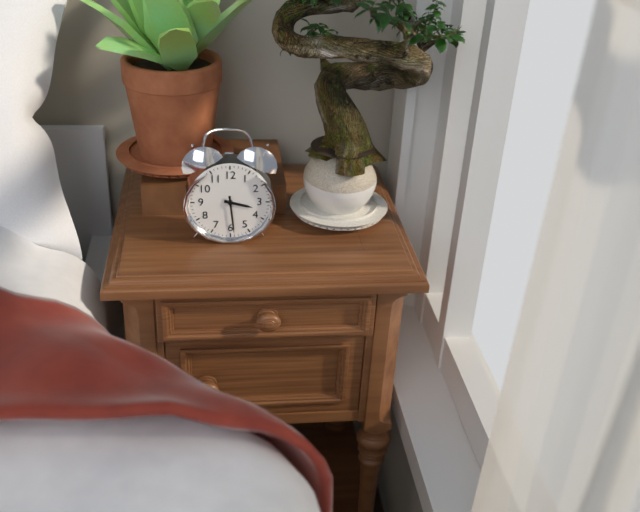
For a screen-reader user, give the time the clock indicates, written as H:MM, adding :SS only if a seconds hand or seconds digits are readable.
3:29
